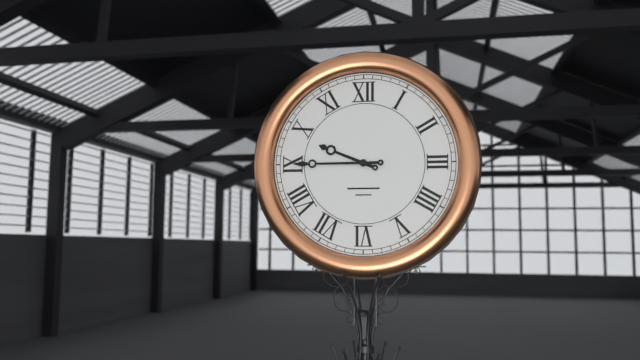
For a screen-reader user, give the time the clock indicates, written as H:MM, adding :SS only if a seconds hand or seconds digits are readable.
9:45
